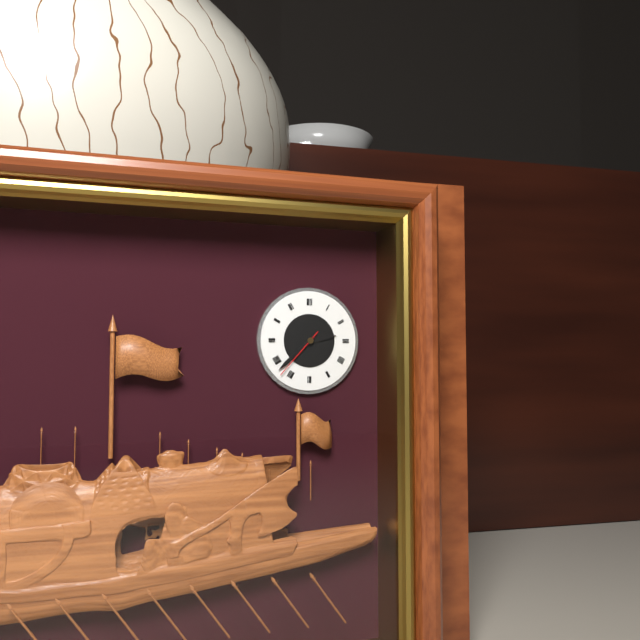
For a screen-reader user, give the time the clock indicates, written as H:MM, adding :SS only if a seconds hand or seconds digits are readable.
2:38:37
